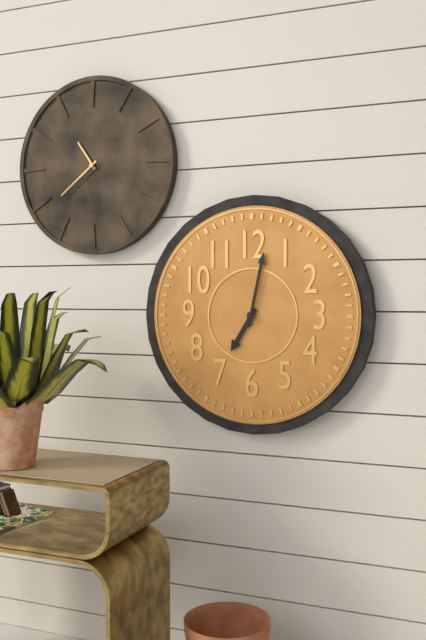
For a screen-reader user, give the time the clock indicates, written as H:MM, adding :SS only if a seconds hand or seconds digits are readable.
7:02
